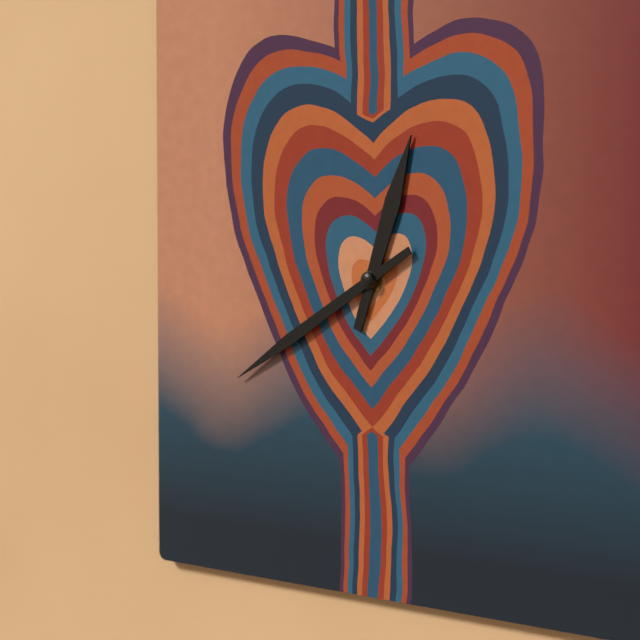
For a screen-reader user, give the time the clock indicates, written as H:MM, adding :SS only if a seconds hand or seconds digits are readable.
12:40
